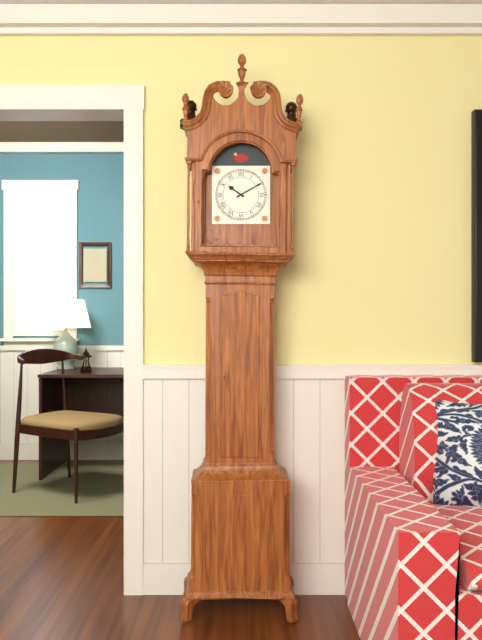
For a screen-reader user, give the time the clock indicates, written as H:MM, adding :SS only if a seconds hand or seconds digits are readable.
10:10
